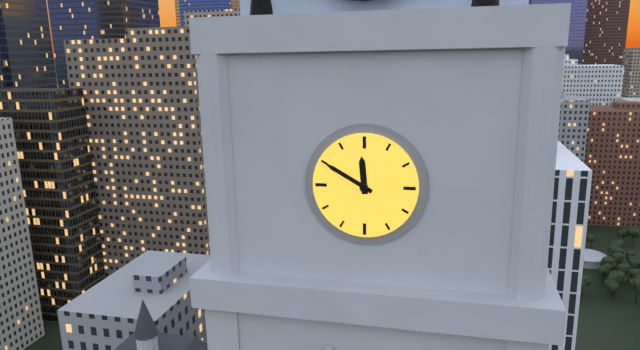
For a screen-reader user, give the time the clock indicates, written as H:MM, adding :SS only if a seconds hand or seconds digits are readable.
11:50
